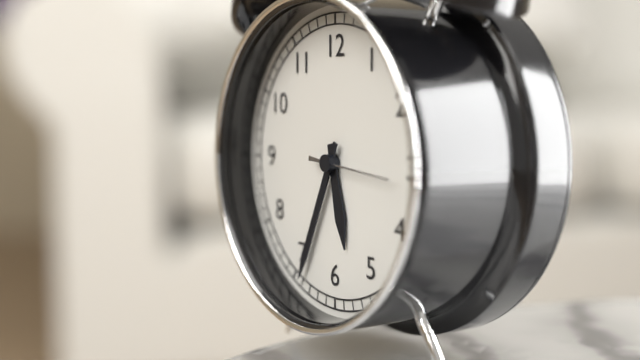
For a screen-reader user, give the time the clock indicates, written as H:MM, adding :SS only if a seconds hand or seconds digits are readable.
5:34:16
